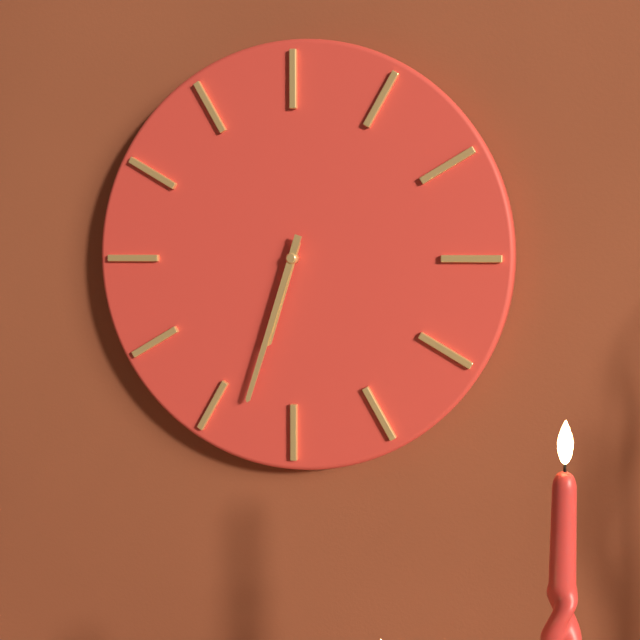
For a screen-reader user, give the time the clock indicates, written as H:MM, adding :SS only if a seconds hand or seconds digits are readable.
6:33
